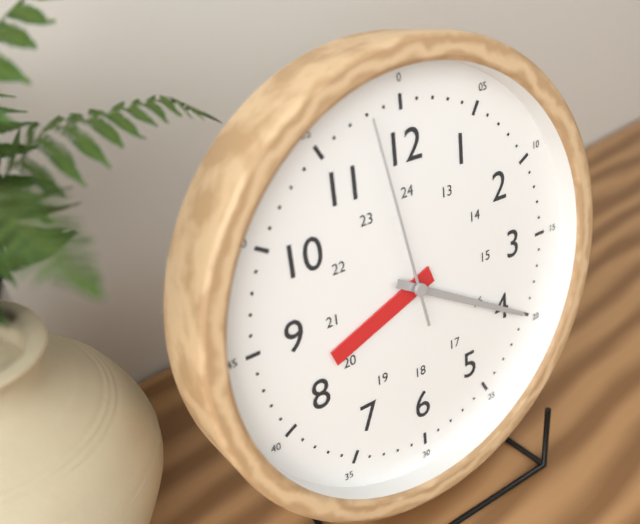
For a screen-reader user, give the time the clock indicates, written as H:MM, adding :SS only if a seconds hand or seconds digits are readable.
8:20:58
